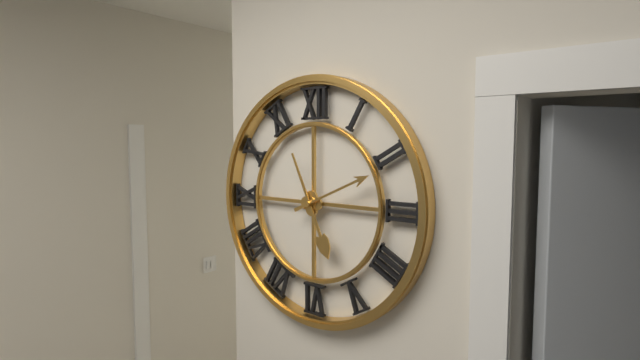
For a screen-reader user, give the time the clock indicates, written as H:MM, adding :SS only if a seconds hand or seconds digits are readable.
5:11
